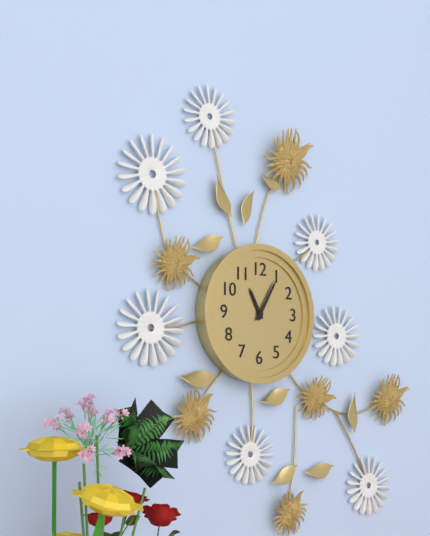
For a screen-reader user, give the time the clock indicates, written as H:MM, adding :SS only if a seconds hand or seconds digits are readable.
11:05
